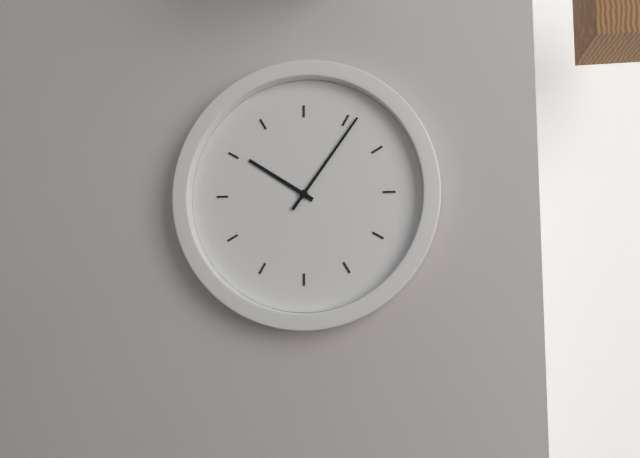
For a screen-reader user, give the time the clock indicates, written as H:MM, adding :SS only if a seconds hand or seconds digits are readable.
10:06
